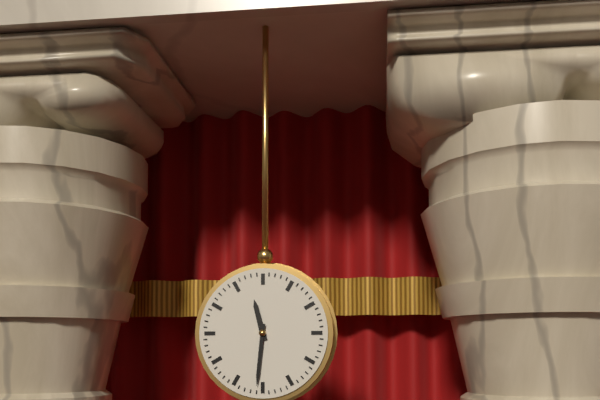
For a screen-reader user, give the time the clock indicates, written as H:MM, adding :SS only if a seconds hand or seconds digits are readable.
11:31
